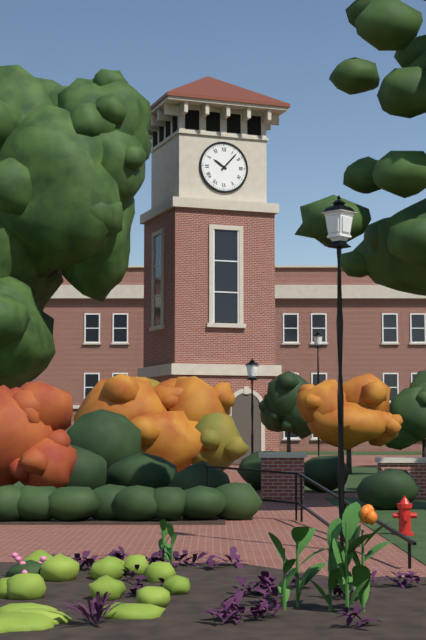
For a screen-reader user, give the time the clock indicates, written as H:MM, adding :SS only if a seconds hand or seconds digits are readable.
10:07
